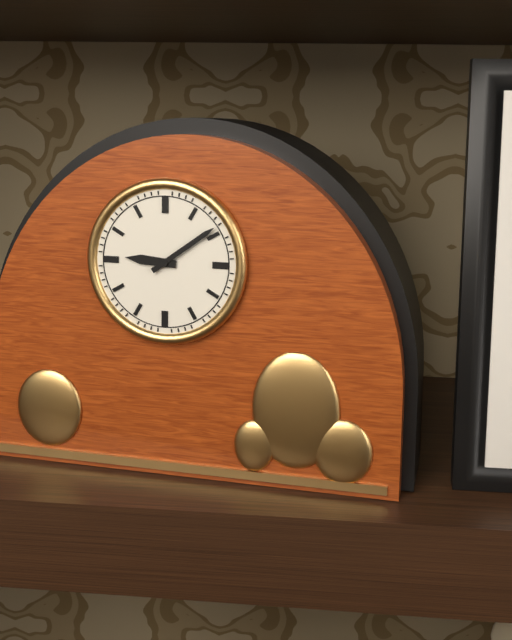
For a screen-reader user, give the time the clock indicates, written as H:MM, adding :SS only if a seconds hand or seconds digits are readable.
9:09
